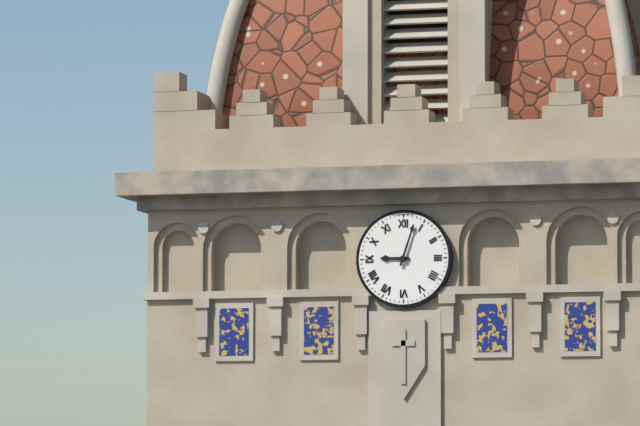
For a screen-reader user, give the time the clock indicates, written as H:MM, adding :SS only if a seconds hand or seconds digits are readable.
9:03
